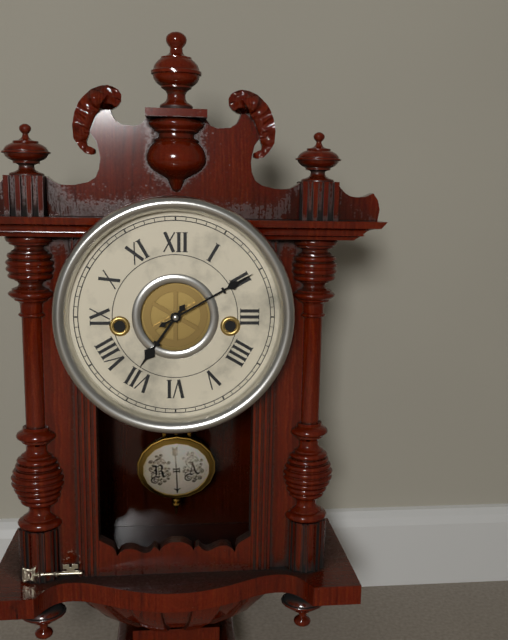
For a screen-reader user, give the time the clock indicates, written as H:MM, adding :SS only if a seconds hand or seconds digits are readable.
7:10
